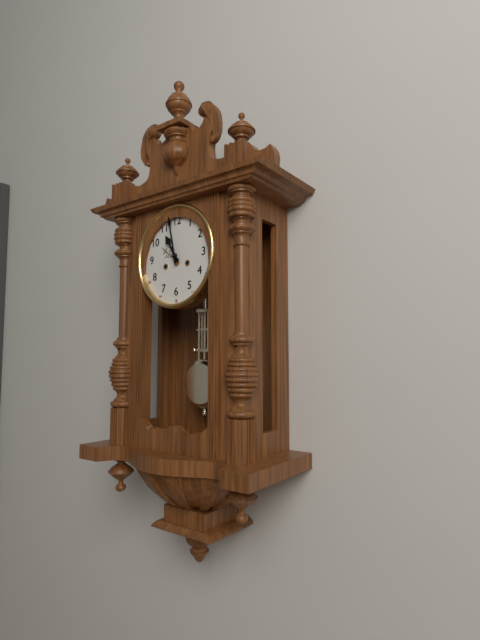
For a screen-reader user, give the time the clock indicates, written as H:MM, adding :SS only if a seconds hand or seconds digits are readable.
10:58
